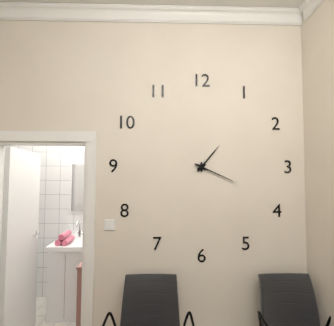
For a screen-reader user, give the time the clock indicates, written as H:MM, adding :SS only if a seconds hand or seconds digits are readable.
1:19
